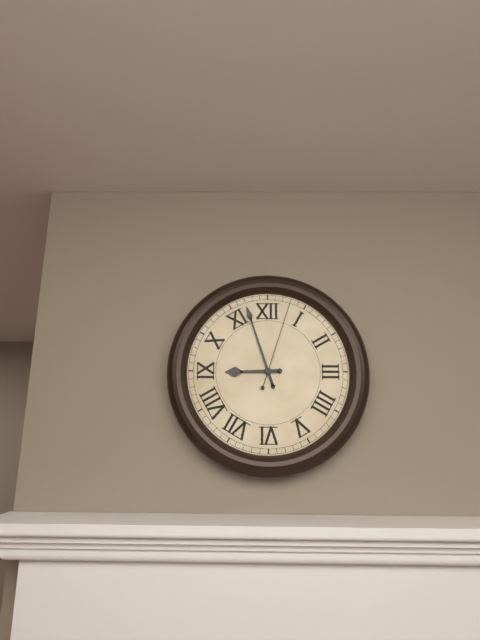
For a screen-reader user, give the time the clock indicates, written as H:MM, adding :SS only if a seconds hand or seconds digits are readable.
8:57:03
